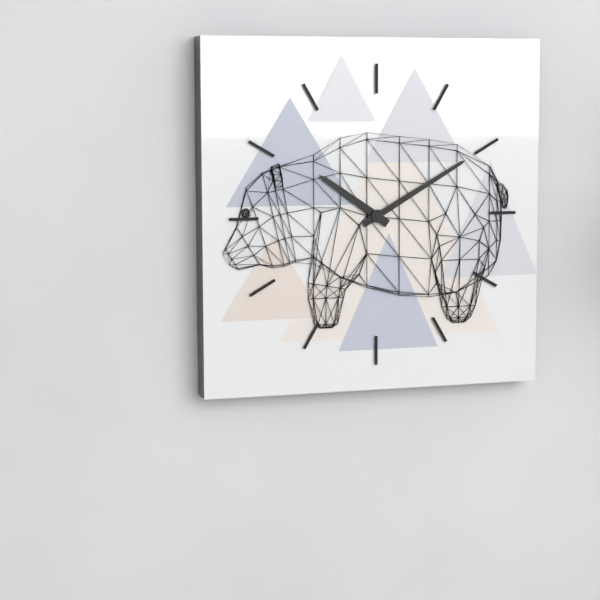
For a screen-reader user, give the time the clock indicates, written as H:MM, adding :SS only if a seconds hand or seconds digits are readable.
10:10
